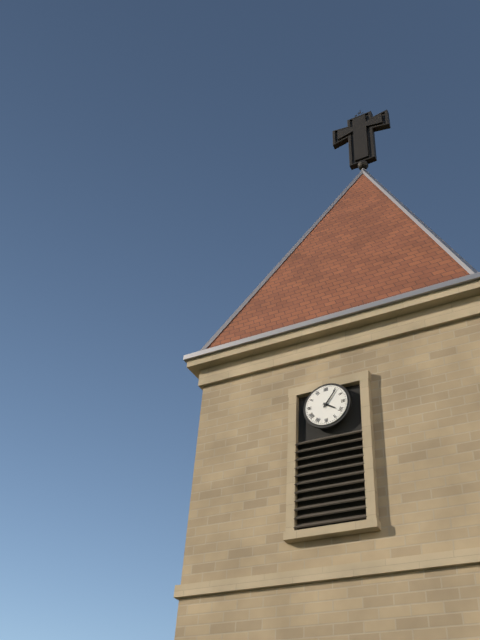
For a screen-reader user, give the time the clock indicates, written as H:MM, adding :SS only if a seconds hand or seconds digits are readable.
4:06
